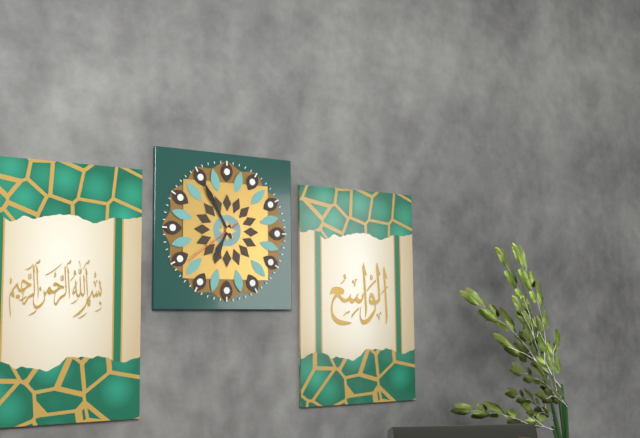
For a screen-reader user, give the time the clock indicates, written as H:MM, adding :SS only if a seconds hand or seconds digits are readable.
6:55:39
